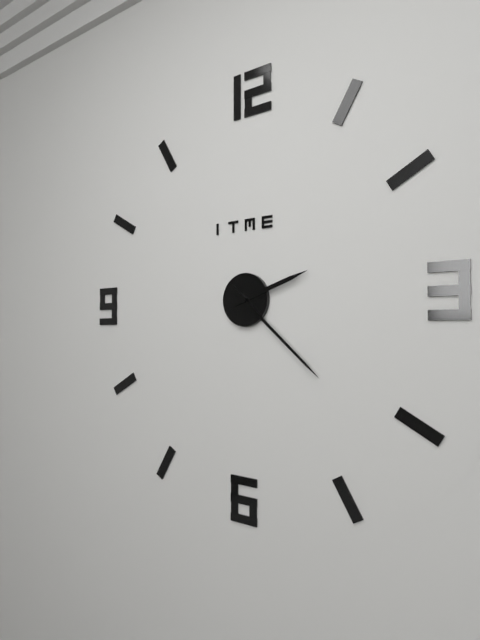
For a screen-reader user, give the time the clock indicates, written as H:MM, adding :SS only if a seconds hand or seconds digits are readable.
2:22
